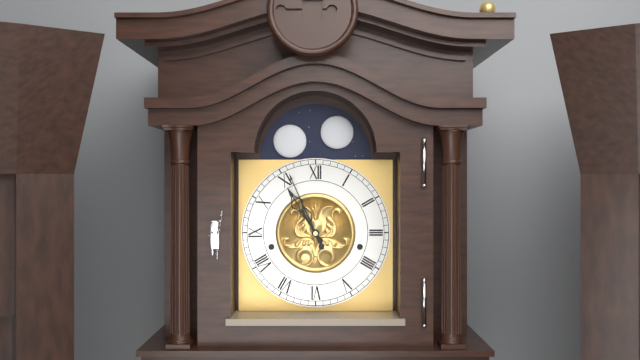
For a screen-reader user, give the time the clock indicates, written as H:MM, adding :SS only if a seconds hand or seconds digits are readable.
10:56
